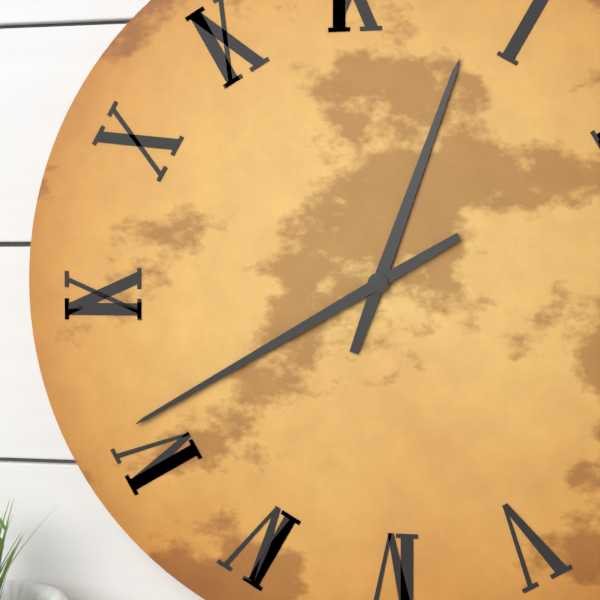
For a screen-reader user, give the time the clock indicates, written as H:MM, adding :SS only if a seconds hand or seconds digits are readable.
12:40
